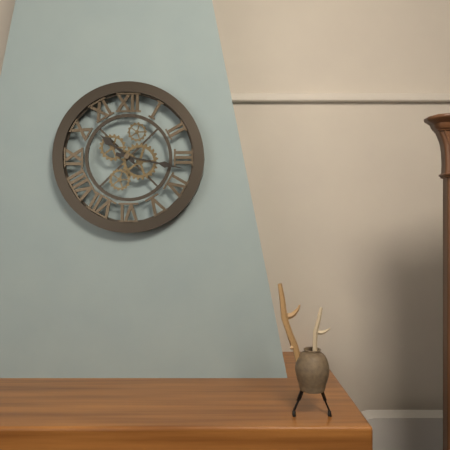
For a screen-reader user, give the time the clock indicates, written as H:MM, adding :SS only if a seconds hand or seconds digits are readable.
10:17
